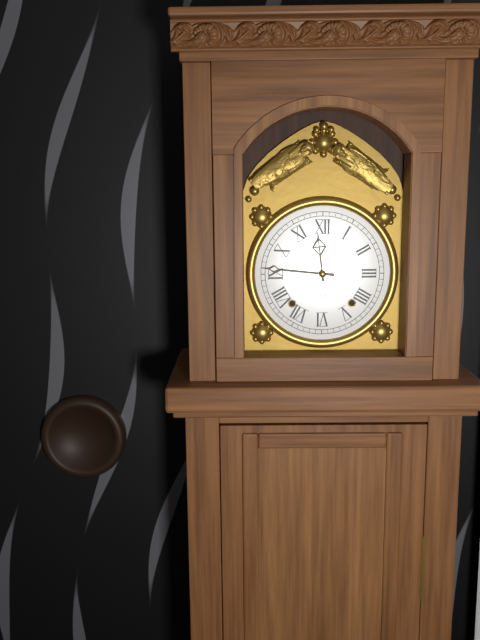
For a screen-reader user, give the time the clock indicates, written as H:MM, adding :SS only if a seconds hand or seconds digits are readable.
11:46
